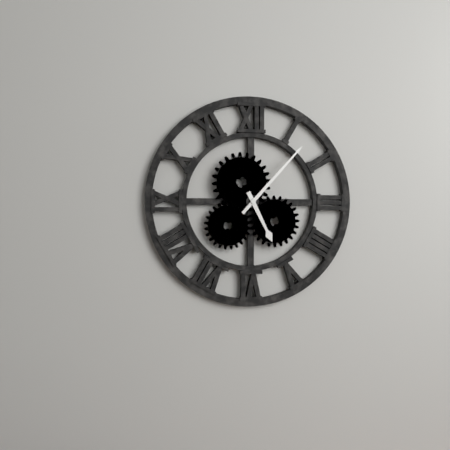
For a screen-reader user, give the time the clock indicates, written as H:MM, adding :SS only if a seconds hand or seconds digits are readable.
5:07
